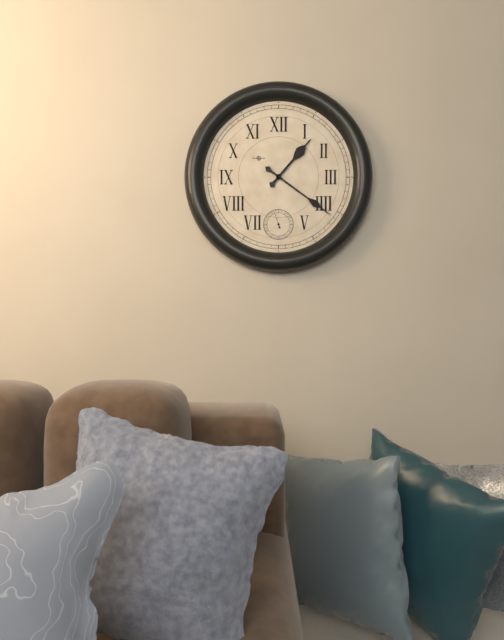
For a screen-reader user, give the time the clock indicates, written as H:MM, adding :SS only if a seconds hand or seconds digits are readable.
1:21
